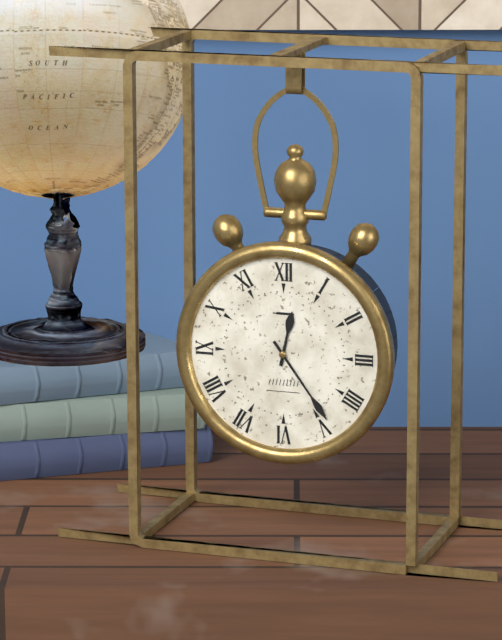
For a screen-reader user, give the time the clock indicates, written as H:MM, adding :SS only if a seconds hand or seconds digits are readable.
12:24
